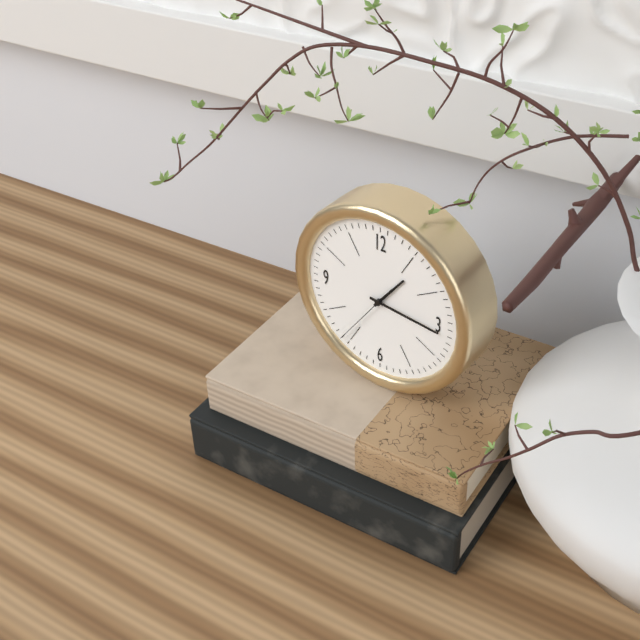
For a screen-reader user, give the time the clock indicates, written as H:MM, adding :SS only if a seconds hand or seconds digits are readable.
1:16:36
